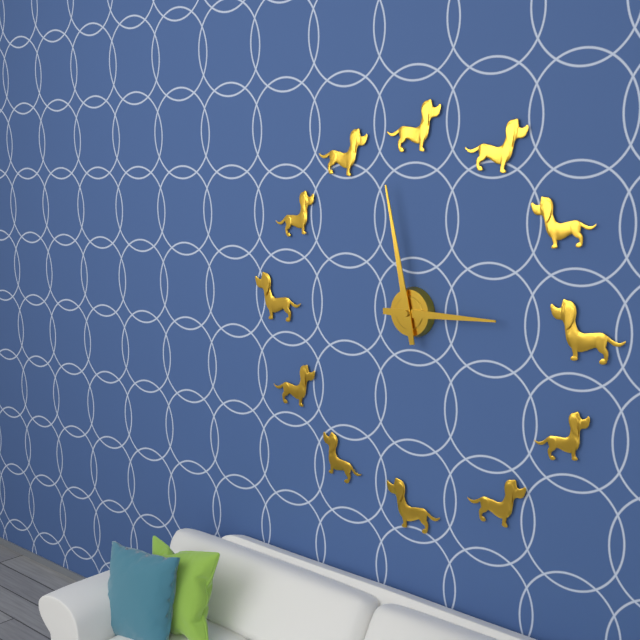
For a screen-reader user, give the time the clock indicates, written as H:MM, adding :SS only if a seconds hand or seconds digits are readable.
2:58
